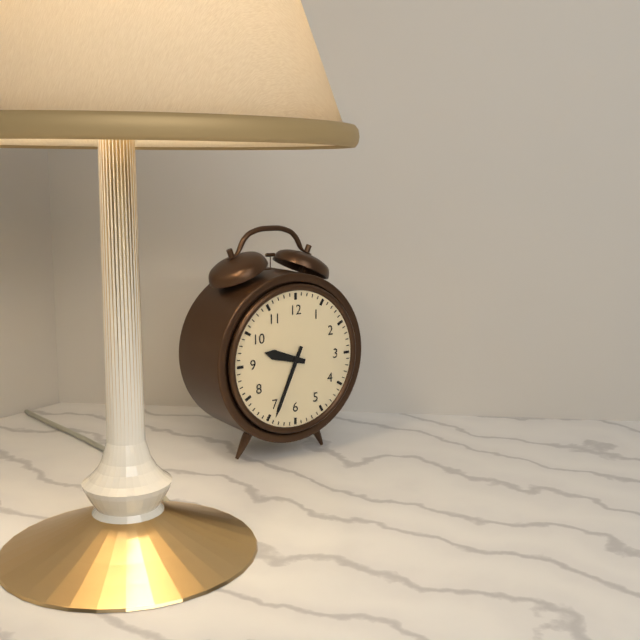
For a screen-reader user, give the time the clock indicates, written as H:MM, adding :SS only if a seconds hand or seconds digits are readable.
9:34
